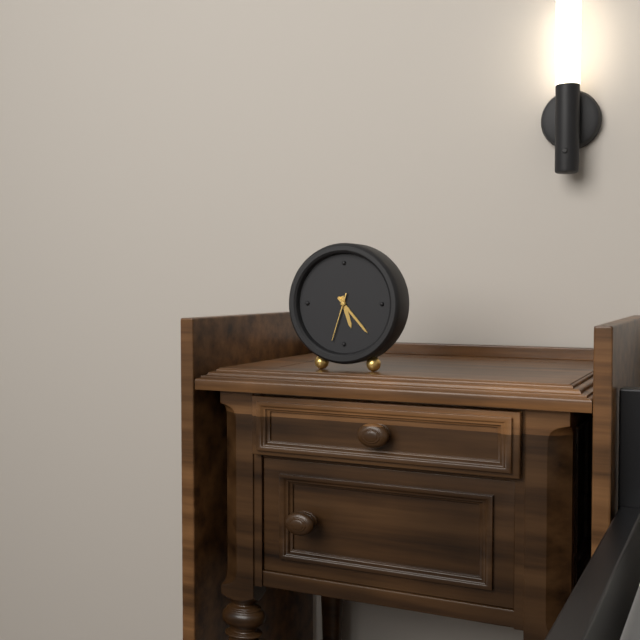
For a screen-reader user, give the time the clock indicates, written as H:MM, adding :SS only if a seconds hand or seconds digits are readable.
5:23
